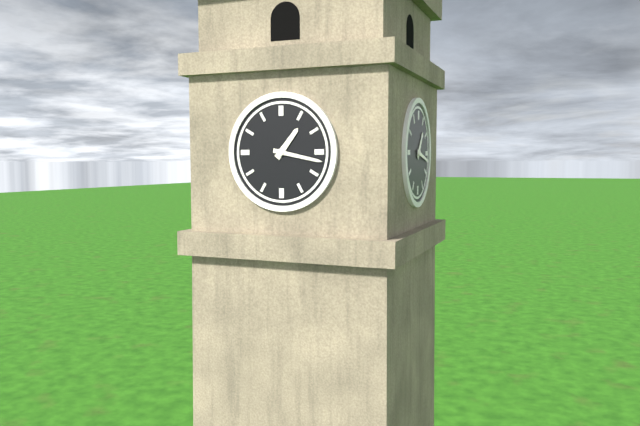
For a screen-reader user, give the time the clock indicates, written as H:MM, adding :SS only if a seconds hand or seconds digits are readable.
1:17
